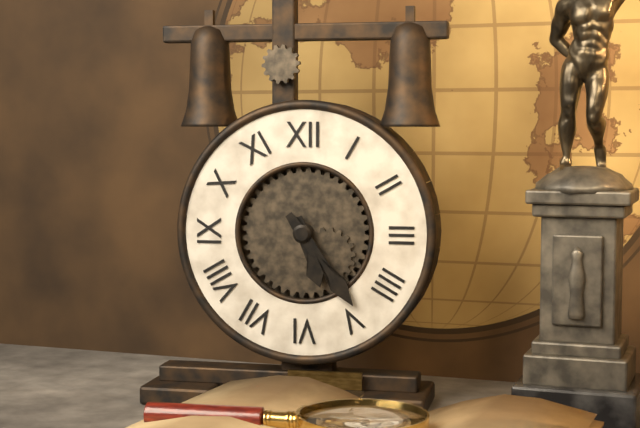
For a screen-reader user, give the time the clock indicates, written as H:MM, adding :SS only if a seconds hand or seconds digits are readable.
5:24
